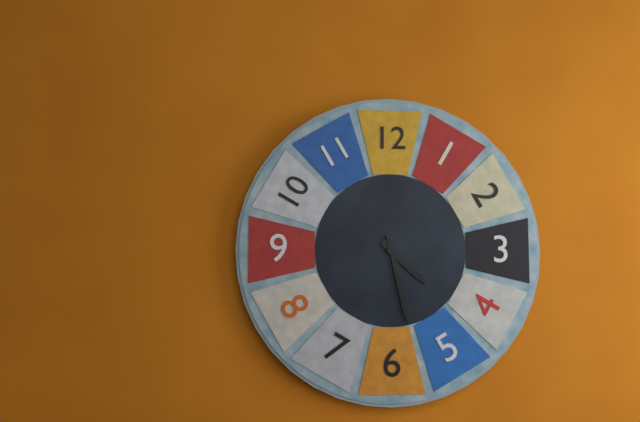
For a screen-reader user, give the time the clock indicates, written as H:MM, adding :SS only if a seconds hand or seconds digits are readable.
4:28
